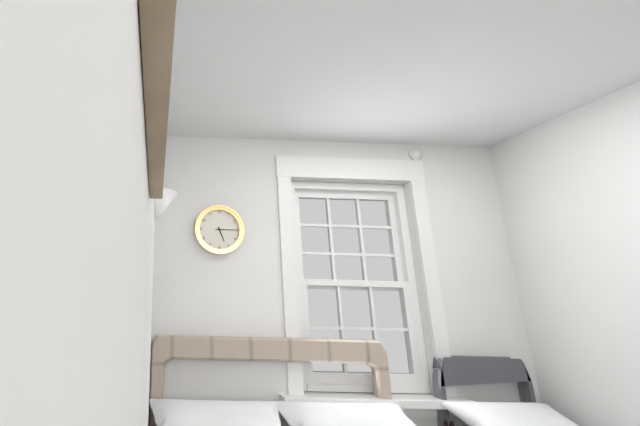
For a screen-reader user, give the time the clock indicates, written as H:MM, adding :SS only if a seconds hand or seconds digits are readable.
5:15
